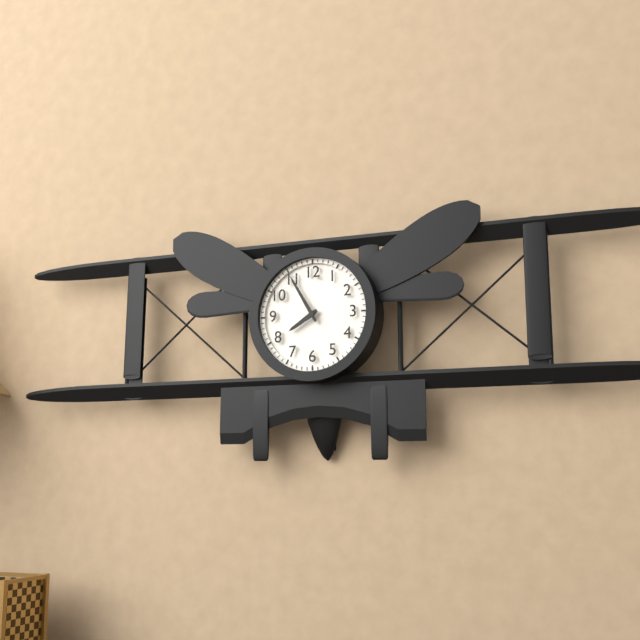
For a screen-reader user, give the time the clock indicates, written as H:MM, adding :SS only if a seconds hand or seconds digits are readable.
7:55
